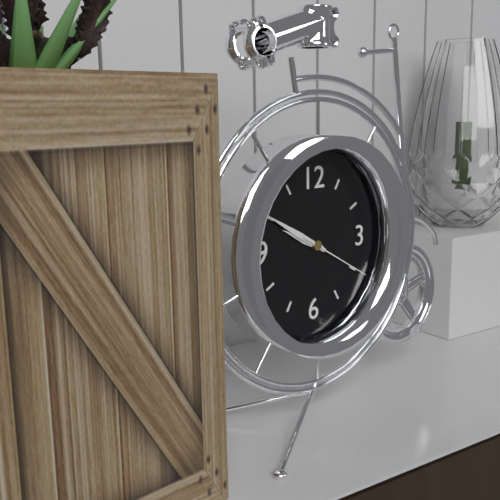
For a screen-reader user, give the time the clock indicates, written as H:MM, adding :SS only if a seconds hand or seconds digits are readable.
9:50:20
